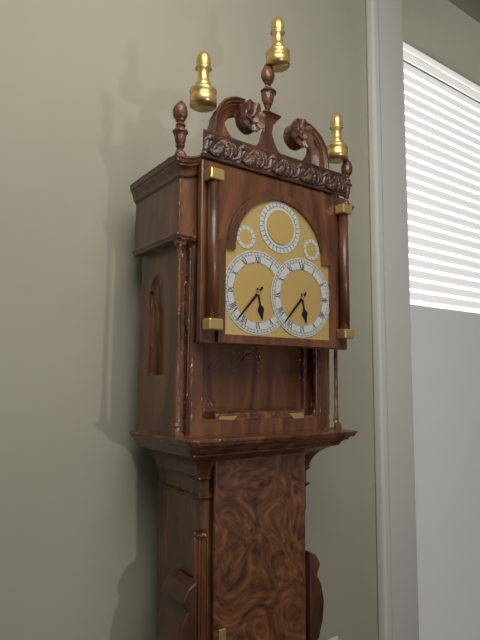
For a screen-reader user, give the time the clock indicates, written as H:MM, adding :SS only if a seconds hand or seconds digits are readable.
5:37
